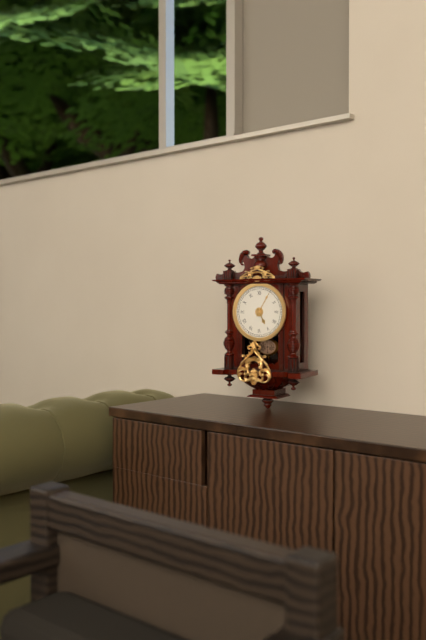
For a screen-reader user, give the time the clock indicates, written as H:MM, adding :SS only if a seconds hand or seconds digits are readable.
5:05
